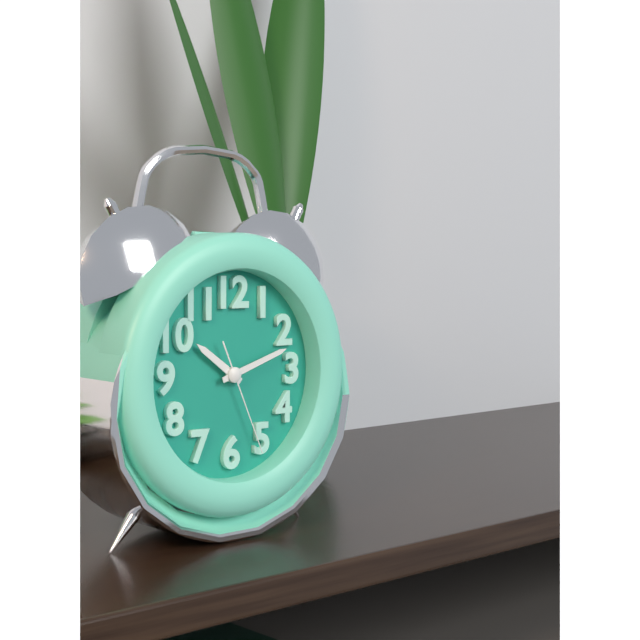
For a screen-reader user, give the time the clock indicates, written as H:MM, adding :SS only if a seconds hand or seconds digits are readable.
10:12:26
